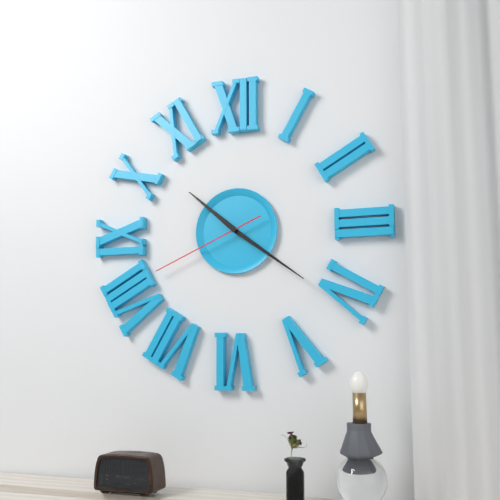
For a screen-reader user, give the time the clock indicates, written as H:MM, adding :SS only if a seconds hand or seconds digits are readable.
10:21:41
